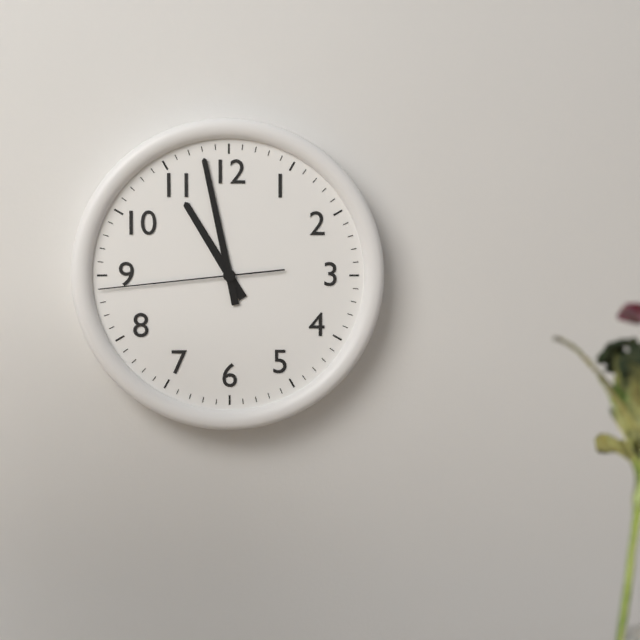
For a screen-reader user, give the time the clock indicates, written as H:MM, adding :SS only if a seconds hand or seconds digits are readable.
10:58:44
